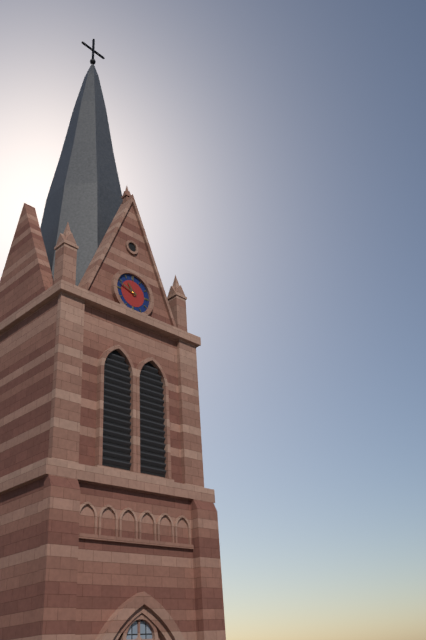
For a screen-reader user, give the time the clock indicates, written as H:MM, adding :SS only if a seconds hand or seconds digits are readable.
10:48
